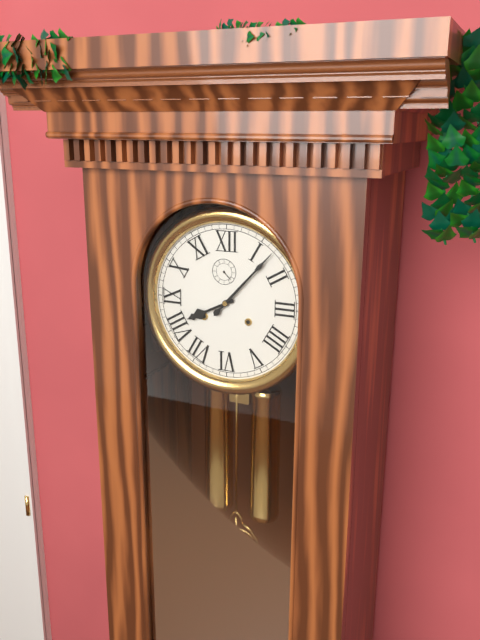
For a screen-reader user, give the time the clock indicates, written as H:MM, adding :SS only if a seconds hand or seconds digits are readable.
8:07
